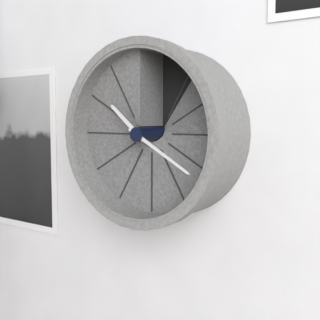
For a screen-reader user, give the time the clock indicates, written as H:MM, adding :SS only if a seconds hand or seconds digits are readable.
10:20
